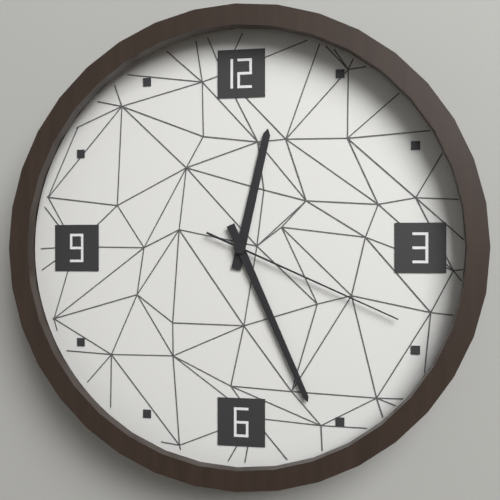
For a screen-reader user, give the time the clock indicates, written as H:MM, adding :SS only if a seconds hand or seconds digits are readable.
12:26:19
